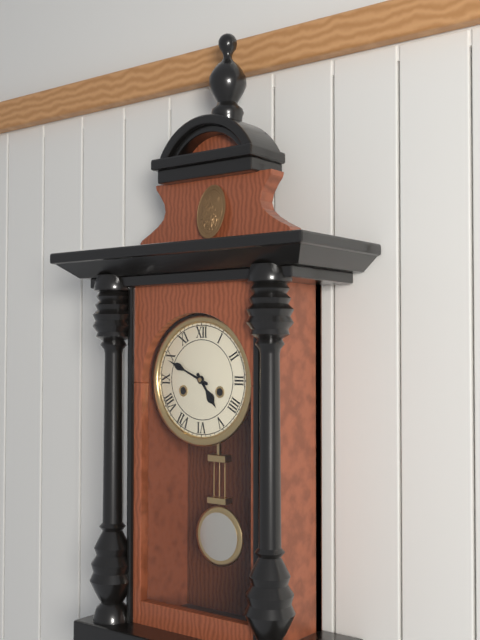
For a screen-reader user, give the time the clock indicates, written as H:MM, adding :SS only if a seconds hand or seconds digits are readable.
4:49
